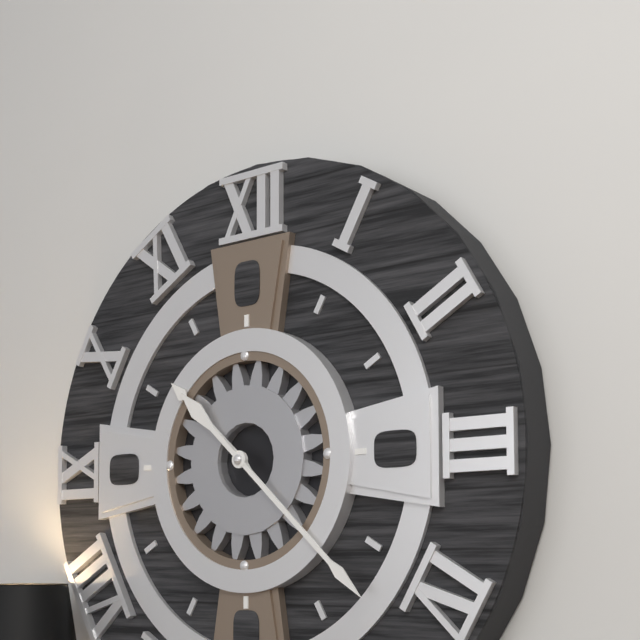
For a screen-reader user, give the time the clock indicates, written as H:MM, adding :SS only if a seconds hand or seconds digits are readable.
10:22
